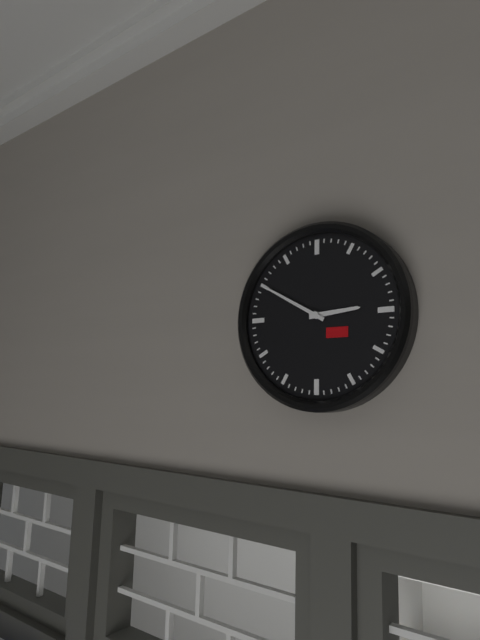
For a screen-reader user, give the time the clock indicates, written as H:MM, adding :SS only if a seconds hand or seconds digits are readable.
2:50
